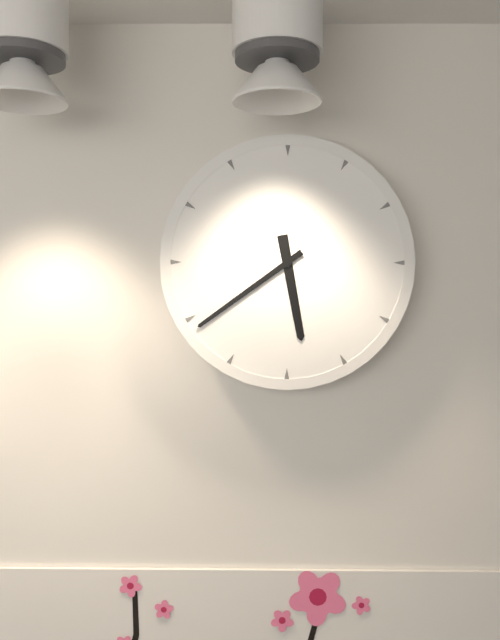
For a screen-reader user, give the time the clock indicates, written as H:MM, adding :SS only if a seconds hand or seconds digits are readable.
5:39
